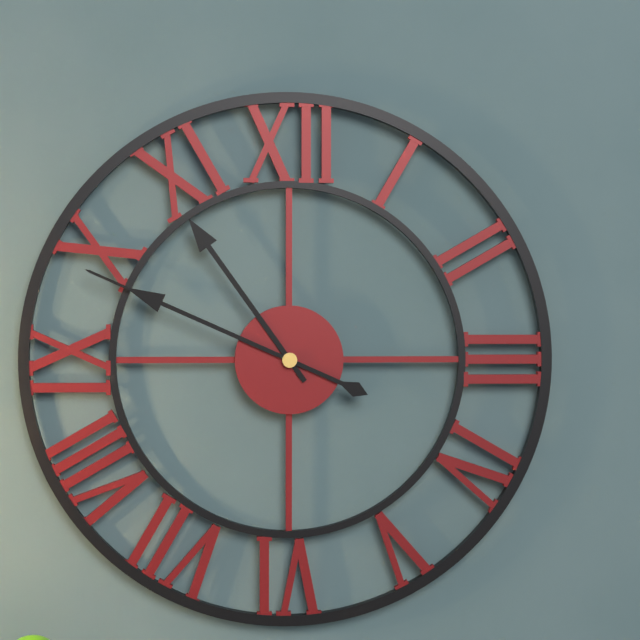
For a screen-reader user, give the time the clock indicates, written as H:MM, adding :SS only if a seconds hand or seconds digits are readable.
10:49
